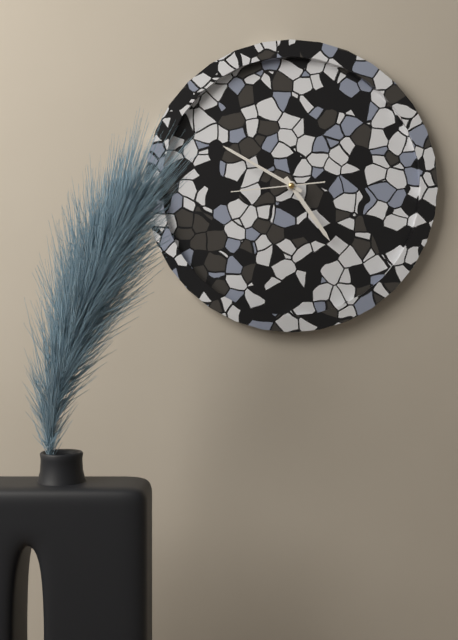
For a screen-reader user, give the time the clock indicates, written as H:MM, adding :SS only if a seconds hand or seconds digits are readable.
4:50:44
